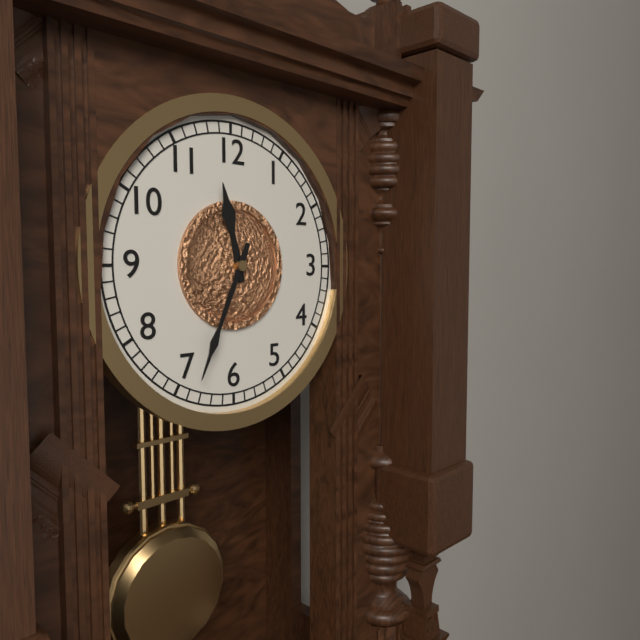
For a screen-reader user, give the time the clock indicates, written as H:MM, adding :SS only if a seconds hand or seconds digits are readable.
11:34
